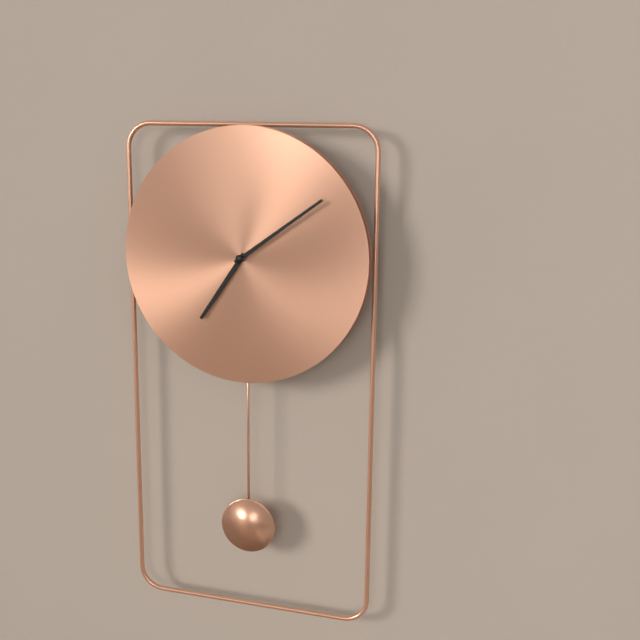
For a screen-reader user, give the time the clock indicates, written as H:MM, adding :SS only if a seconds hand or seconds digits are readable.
7:09
